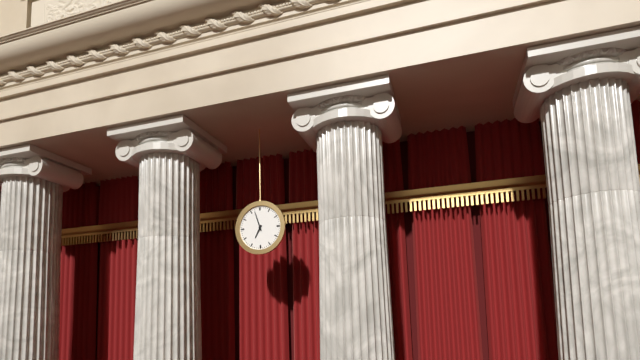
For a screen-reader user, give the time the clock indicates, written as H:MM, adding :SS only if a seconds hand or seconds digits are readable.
6:57
